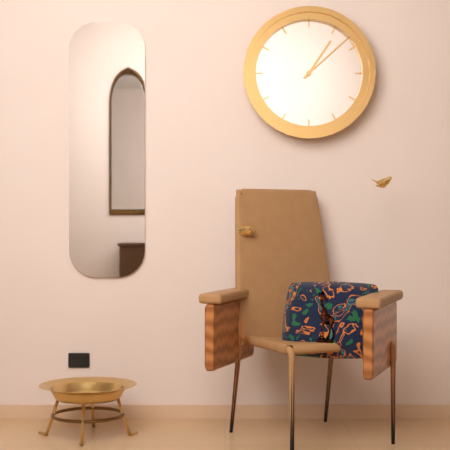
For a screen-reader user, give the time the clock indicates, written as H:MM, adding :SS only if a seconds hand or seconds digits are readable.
1:08
